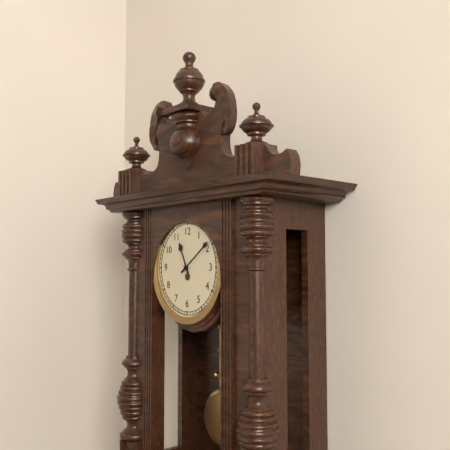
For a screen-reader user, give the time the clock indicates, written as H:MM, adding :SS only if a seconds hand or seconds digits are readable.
11:09
